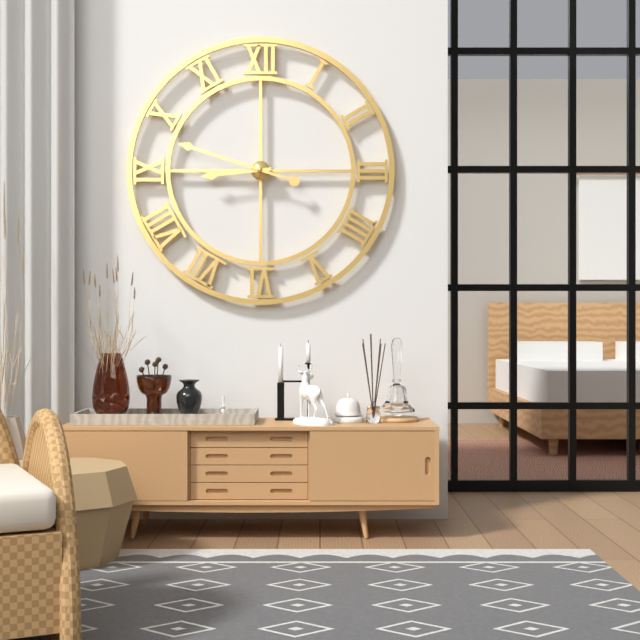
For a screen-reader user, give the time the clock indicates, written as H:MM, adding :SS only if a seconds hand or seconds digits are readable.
8:48
